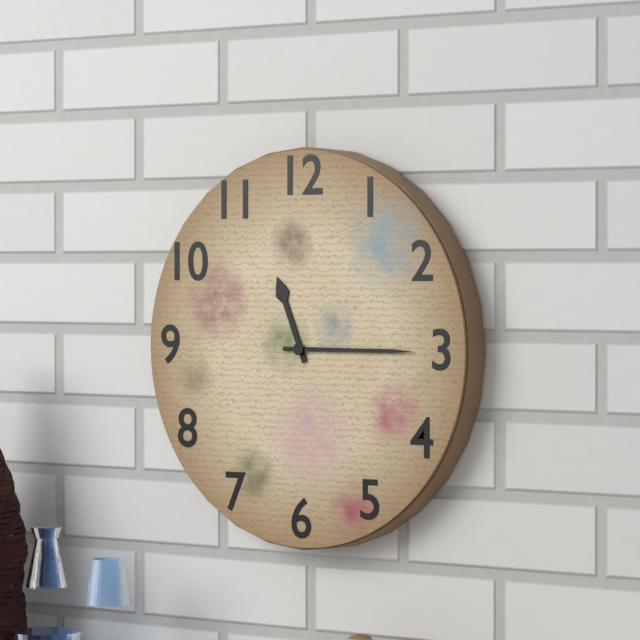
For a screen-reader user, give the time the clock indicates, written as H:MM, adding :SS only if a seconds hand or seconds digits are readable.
11:15
